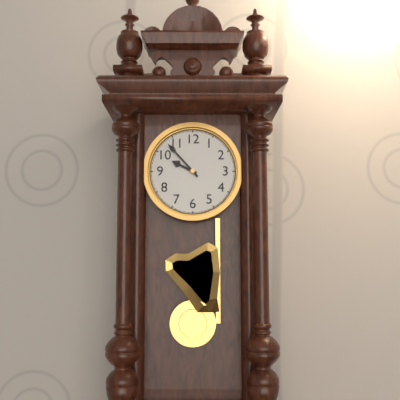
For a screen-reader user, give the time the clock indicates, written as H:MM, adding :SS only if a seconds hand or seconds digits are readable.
9:53
